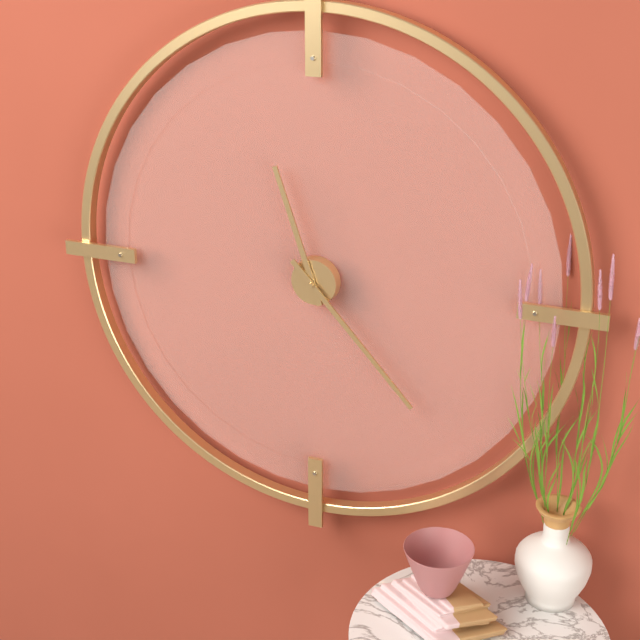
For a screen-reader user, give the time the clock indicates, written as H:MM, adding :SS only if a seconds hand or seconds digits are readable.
11:23
